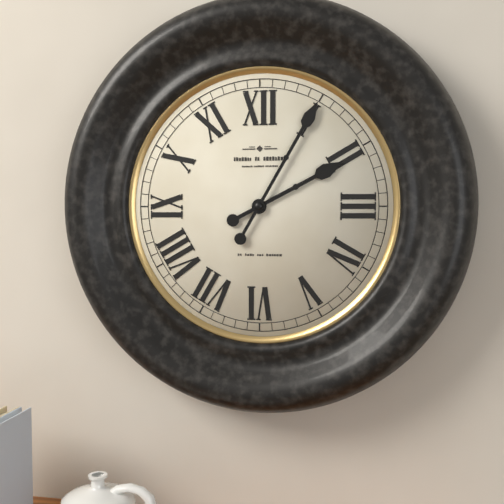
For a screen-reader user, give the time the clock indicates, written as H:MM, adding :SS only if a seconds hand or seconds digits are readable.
2:05
